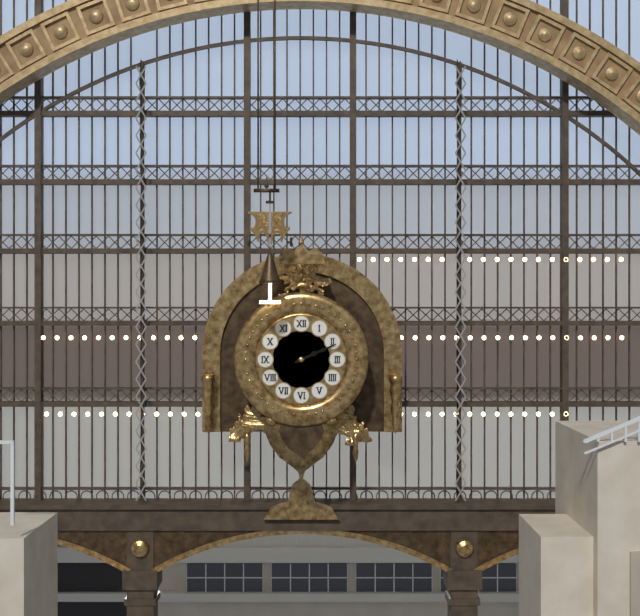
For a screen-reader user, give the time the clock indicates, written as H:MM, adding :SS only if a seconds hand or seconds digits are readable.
2:11
